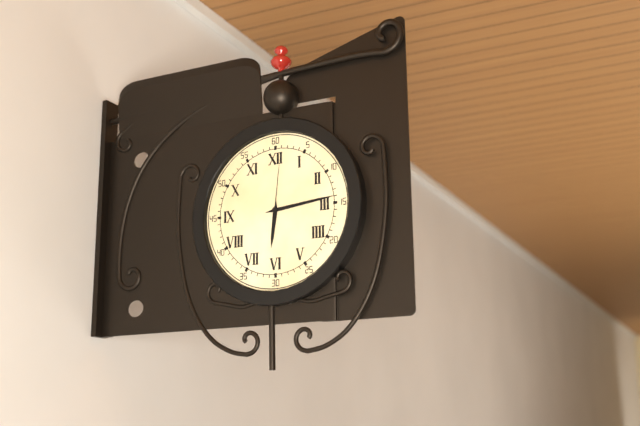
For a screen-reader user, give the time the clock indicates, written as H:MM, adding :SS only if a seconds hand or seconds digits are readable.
6:14:01
